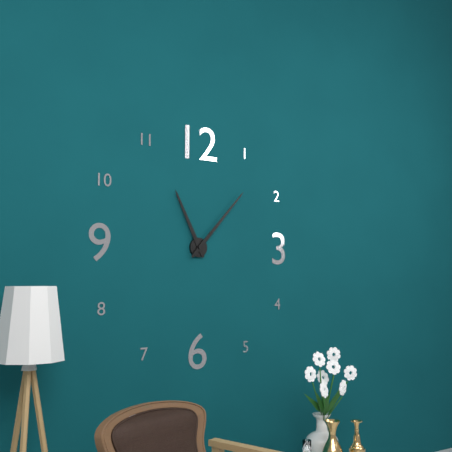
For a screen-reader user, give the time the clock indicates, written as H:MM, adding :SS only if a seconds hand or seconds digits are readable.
11:07
